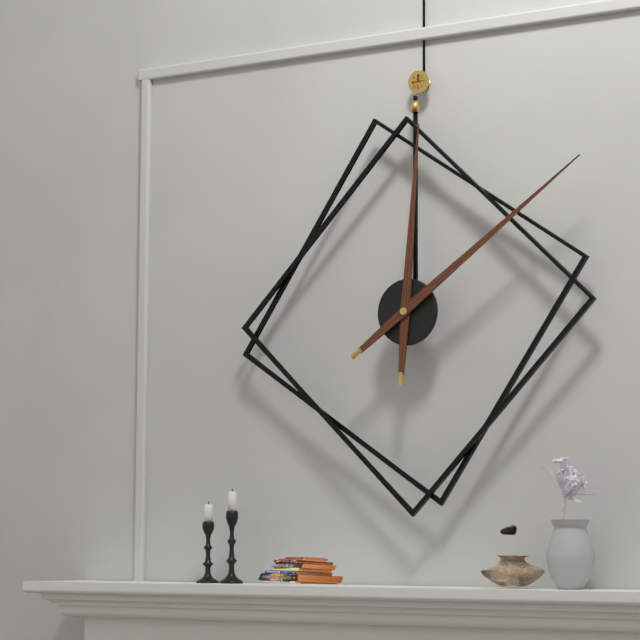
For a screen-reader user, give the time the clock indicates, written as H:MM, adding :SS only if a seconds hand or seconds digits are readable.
12:09
